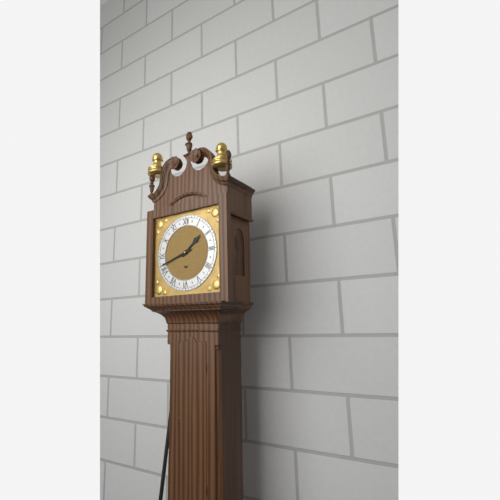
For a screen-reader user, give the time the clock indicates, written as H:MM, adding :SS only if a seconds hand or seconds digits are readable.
1:42
